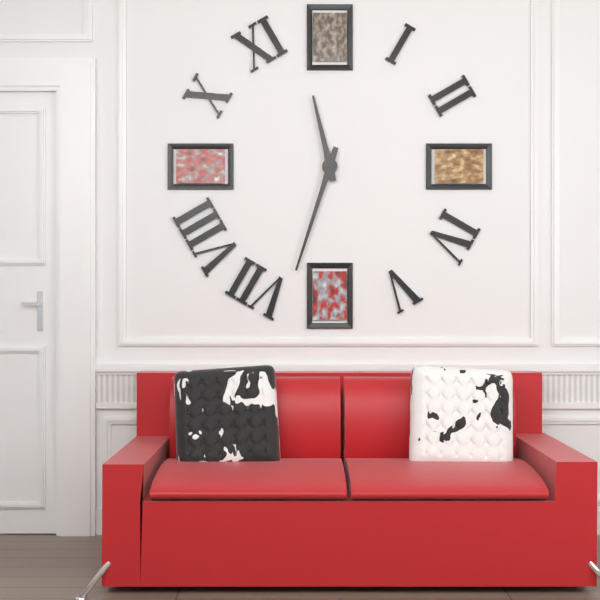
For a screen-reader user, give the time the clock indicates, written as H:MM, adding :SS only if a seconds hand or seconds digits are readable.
11:33
